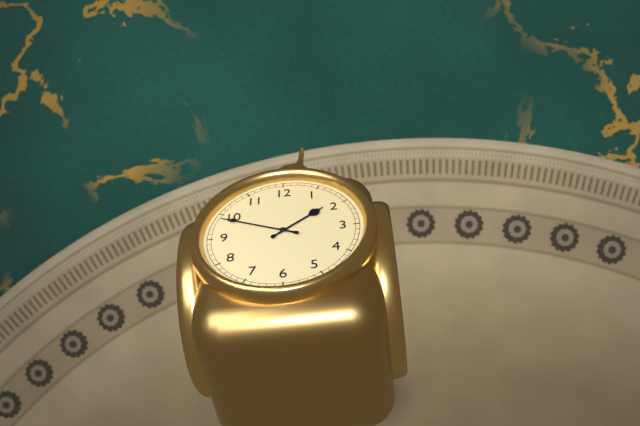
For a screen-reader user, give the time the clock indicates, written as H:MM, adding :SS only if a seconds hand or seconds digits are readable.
1:49
